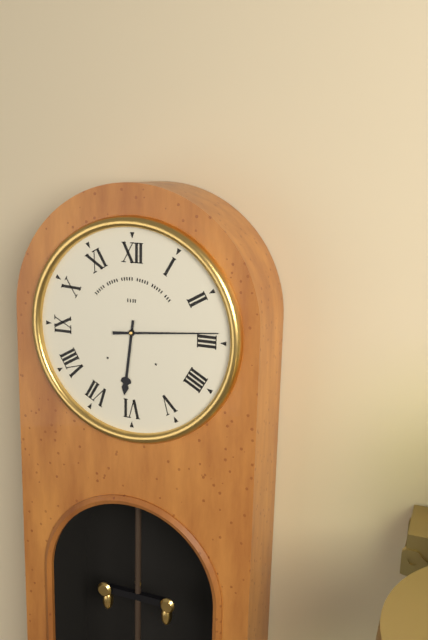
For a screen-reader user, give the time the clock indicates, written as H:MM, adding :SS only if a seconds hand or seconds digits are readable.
6:14
